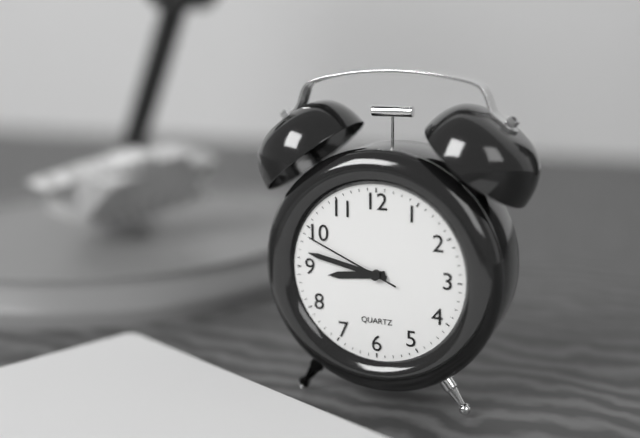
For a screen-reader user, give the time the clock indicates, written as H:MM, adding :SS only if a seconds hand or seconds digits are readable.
8:47:49
